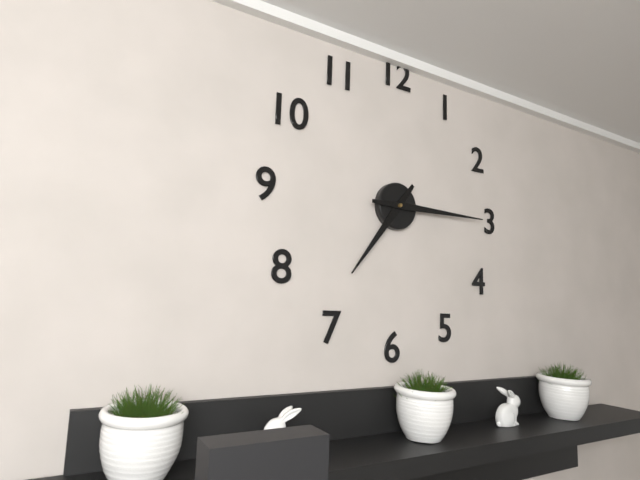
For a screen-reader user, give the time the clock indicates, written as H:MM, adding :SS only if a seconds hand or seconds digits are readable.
7:15
